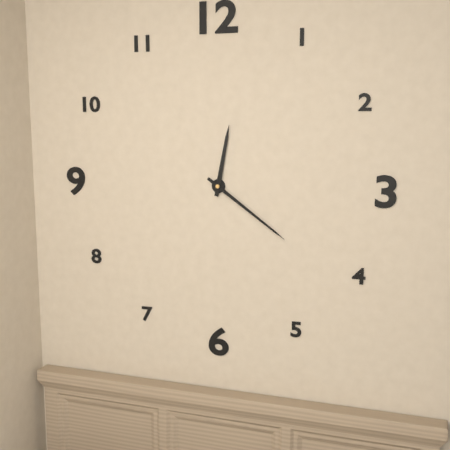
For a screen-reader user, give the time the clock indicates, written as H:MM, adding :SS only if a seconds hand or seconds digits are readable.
12:21
